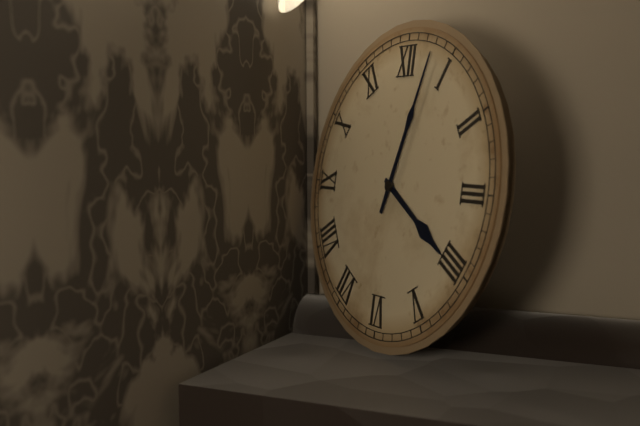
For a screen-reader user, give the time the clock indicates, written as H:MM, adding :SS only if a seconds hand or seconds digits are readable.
4:03
